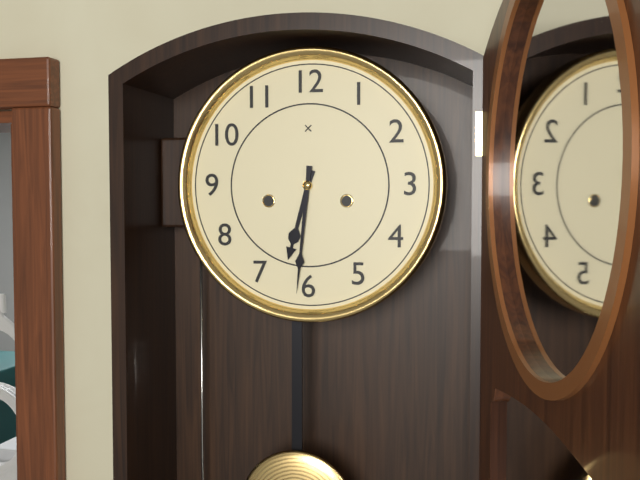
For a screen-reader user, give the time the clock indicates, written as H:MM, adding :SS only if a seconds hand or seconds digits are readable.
6:31
